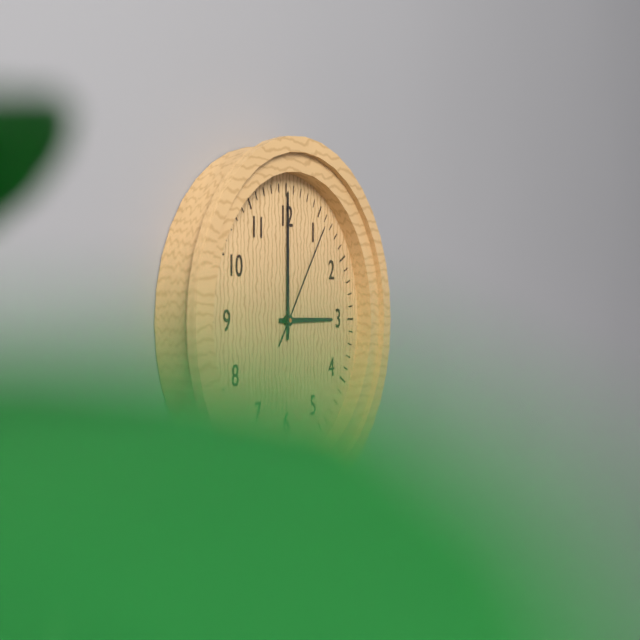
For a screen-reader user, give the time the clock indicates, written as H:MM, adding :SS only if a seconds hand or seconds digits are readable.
3:00:06
